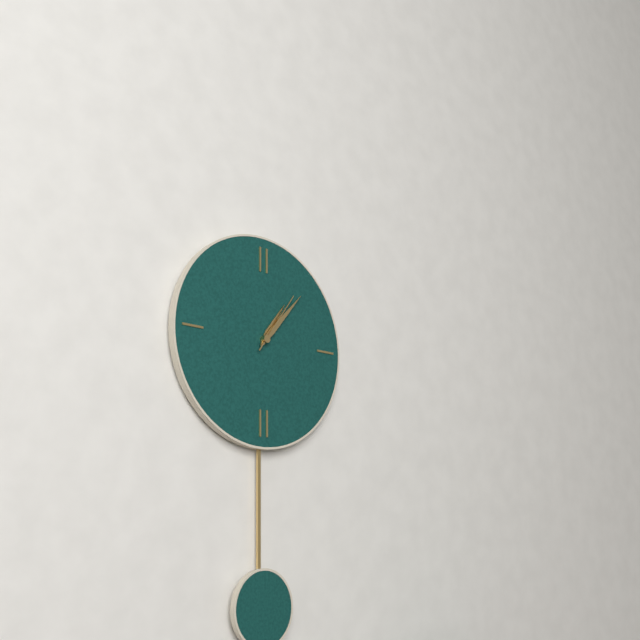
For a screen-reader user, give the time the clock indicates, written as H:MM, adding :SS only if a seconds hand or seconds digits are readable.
1:07:06
